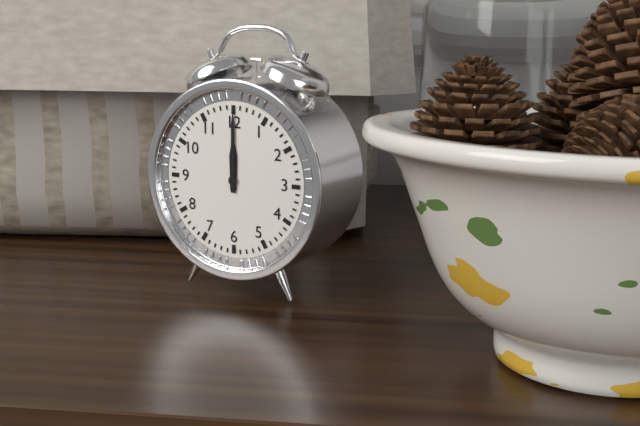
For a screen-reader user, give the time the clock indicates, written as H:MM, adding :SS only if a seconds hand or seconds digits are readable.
12:00
